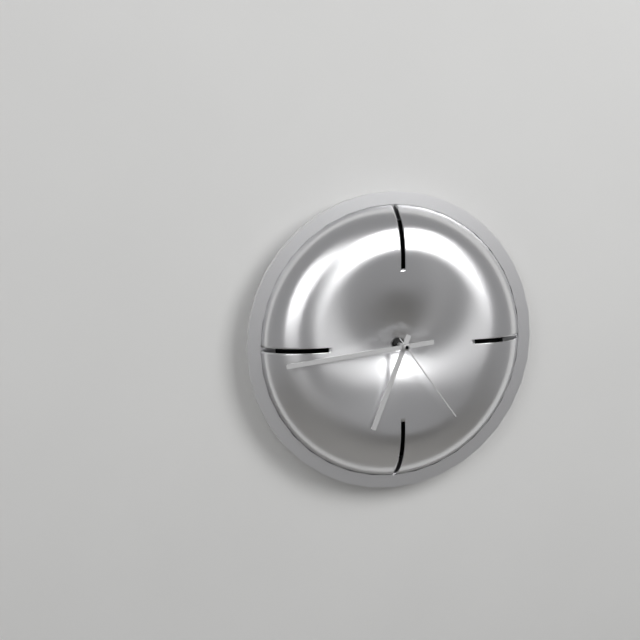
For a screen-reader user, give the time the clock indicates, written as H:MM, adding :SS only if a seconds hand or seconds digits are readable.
6:44:24
